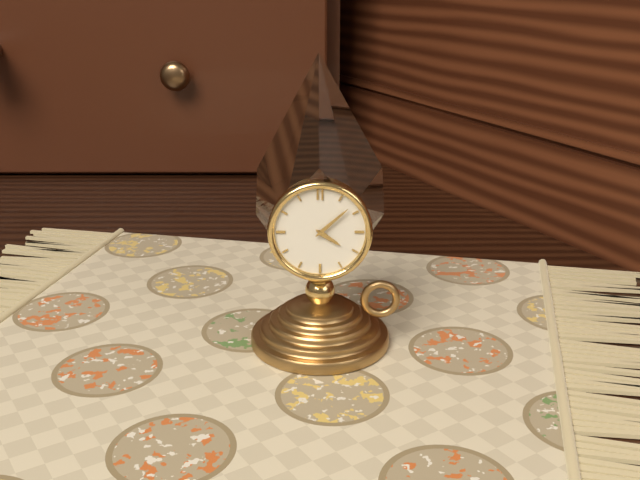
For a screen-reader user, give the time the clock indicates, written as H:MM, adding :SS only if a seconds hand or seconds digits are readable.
4:08
